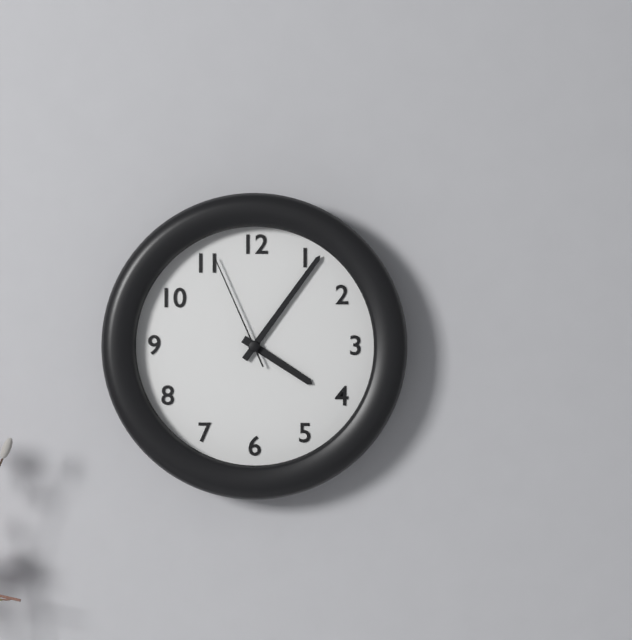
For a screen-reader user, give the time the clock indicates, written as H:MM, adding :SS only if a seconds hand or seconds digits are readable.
4:06:56
